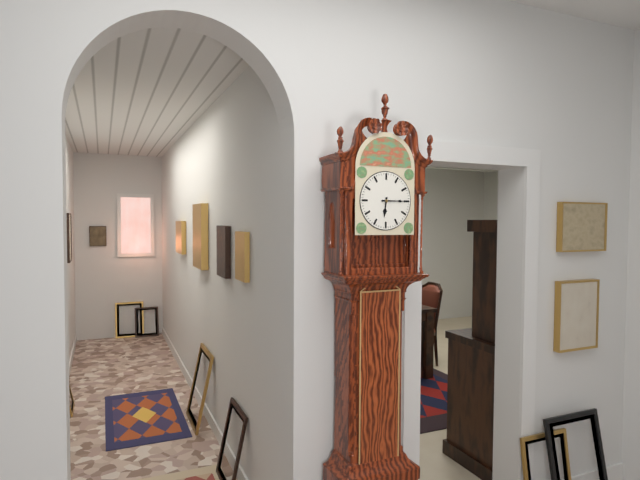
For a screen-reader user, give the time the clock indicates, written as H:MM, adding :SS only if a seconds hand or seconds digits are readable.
6:15
